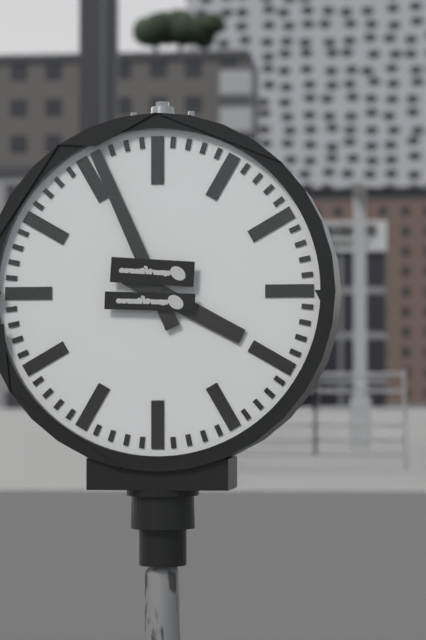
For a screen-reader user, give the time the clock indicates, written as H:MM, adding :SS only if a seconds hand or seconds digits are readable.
3:56
